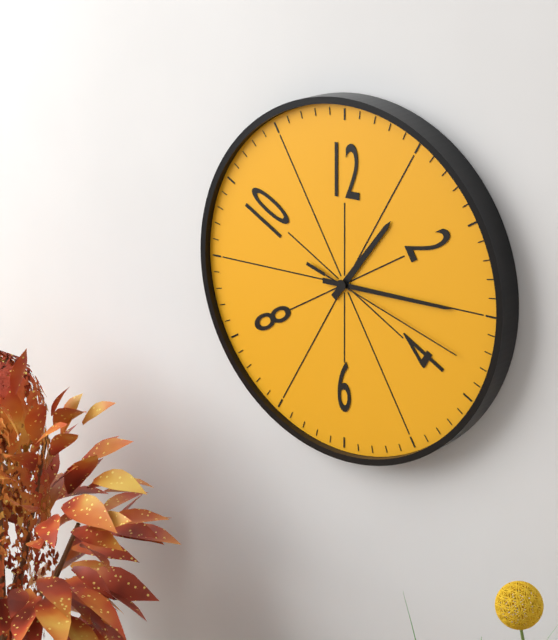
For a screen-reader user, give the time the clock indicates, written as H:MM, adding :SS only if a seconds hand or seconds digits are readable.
1:15:18
